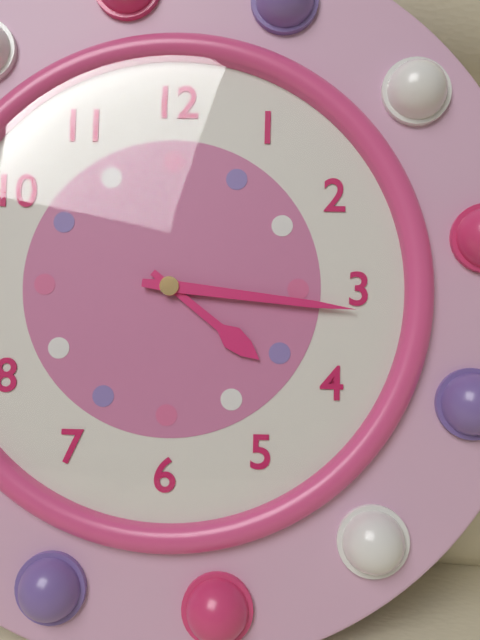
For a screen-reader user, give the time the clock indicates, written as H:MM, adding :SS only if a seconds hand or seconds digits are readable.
4:16
